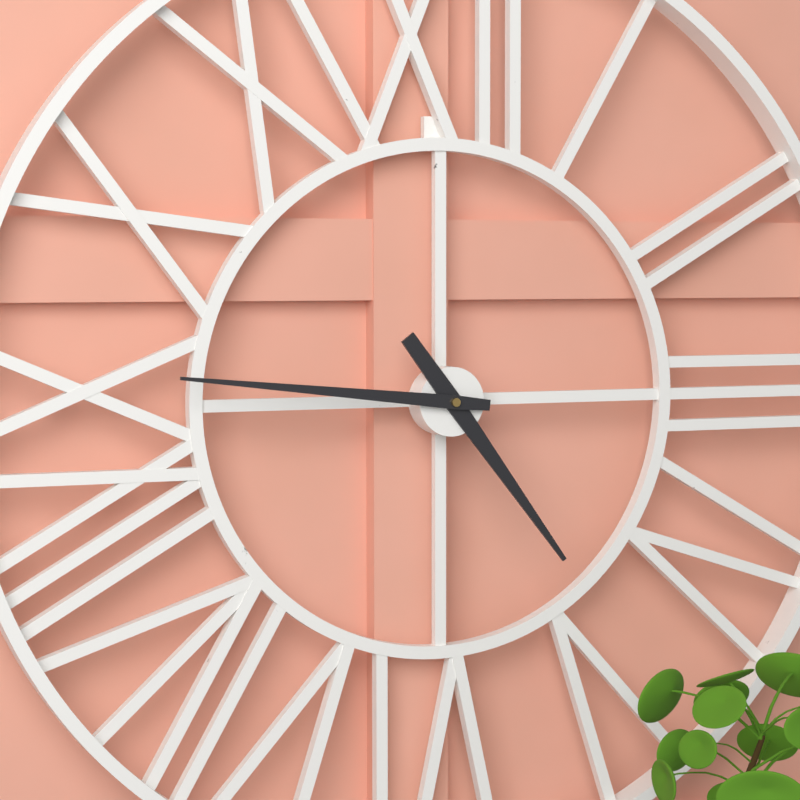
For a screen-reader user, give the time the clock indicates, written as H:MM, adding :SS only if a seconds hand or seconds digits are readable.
4:46
